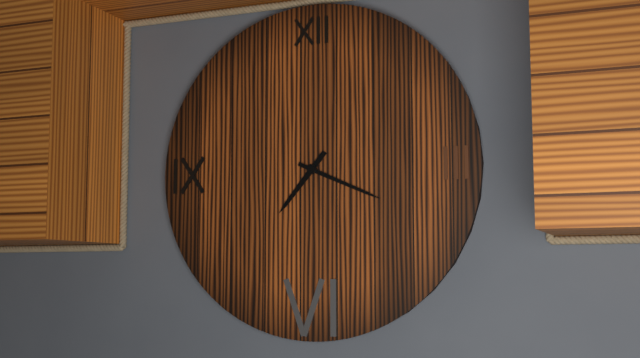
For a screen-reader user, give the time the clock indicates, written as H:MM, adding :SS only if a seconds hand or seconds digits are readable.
7:19
